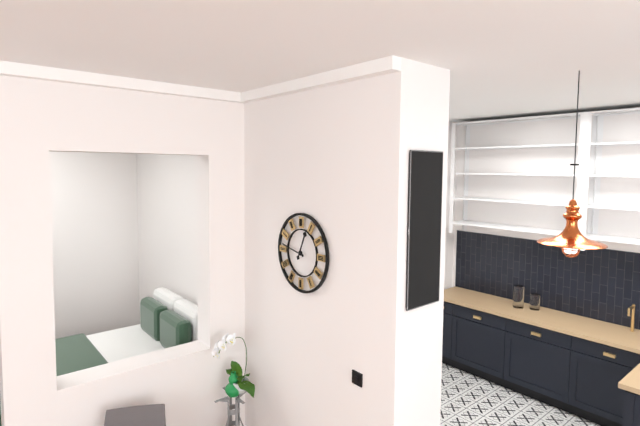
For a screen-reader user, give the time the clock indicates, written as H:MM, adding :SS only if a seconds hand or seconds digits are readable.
12:47
